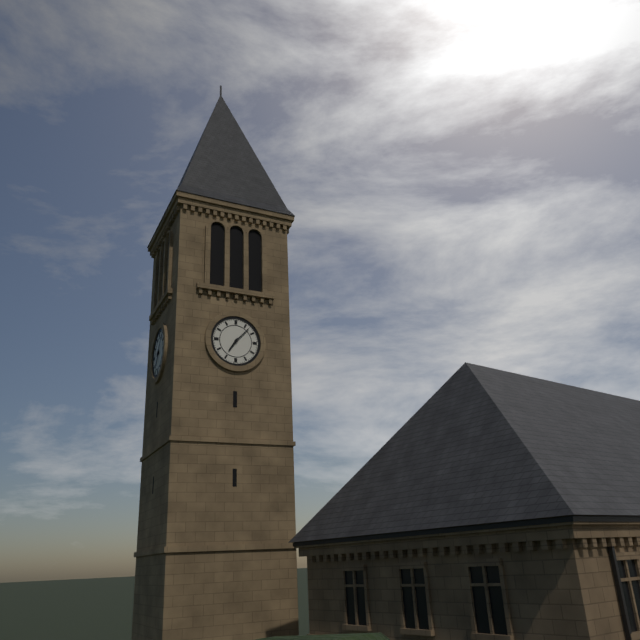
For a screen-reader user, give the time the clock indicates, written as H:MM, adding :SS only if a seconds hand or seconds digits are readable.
7:07
